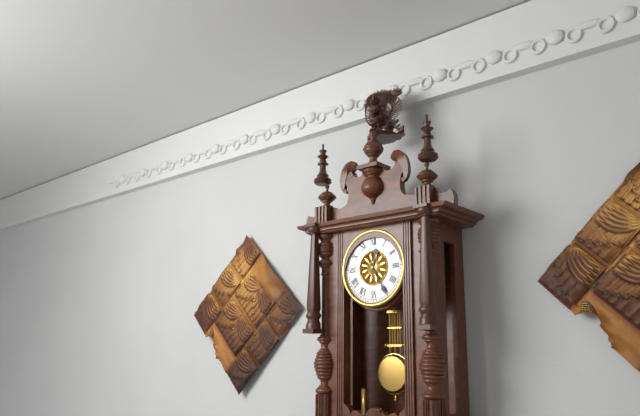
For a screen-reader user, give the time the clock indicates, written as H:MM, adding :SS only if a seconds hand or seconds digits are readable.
12:25
